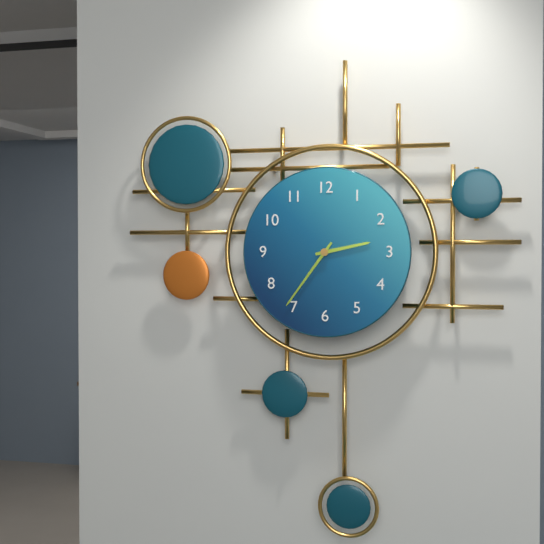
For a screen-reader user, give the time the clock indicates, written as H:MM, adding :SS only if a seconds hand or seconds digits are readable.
2:36
